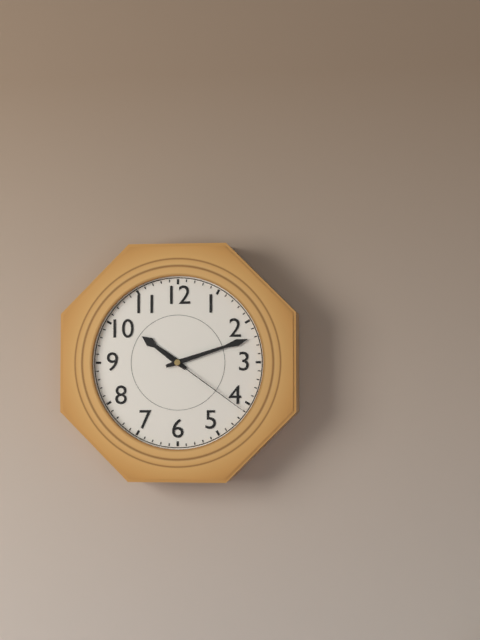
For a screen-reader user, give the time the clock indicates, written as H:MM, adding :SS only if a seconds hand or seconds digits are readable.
10:12:21
